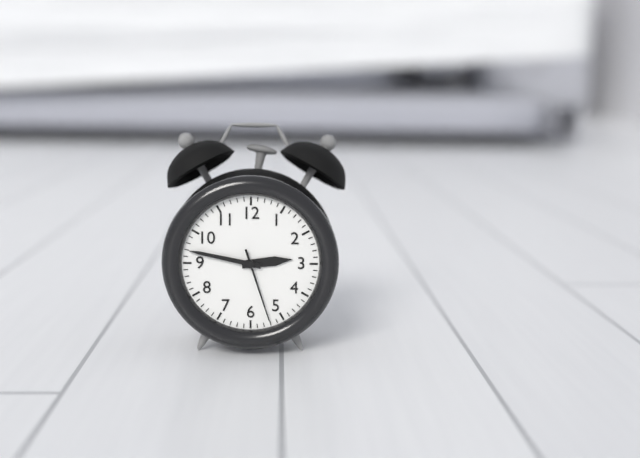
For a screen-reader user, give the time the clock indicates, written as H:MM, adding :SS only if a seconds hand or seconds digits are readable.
2:47:27
